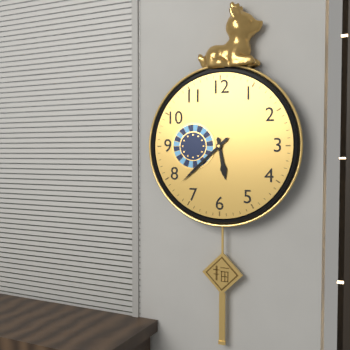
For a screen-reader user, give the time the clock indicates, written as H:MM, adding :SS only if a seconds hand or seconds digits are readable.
5:38
